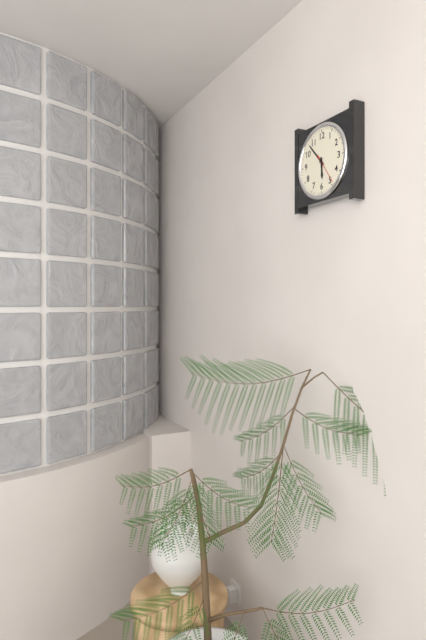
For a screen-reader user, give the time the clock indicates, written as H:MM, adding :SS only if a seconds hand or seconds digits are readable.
5:53
